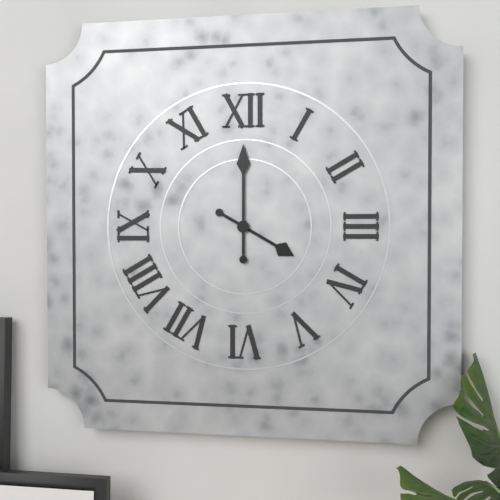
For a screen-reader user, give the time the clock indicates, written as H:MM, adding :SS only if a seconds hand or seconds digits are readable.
4:00
